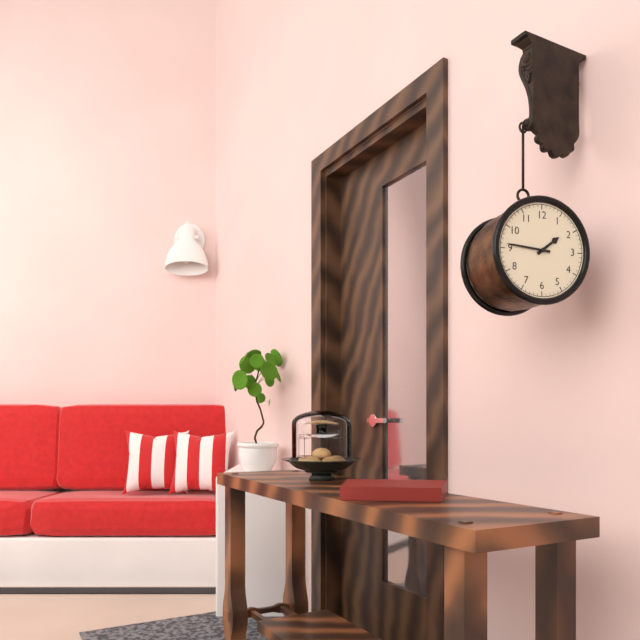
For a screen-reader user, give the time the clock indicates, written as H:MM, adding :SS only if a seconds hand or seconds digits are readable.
1:46
